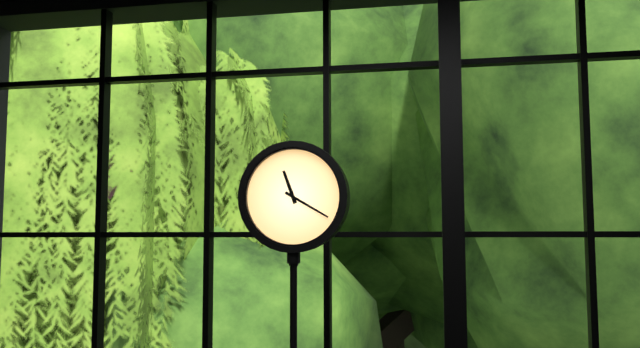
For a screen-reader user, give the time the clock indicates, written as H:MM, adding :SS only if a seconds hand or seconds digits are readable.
11:20
